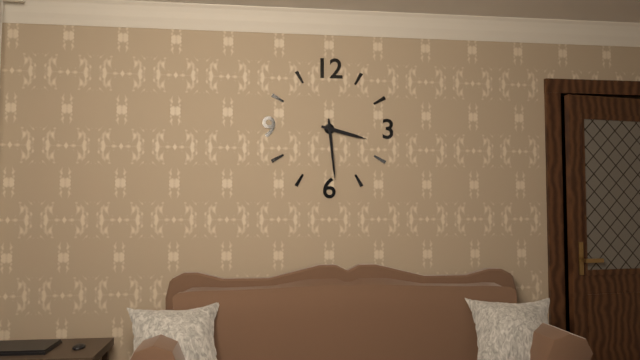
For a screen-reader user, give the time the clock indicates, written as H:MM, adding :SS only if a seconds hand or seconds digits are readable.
3:29
